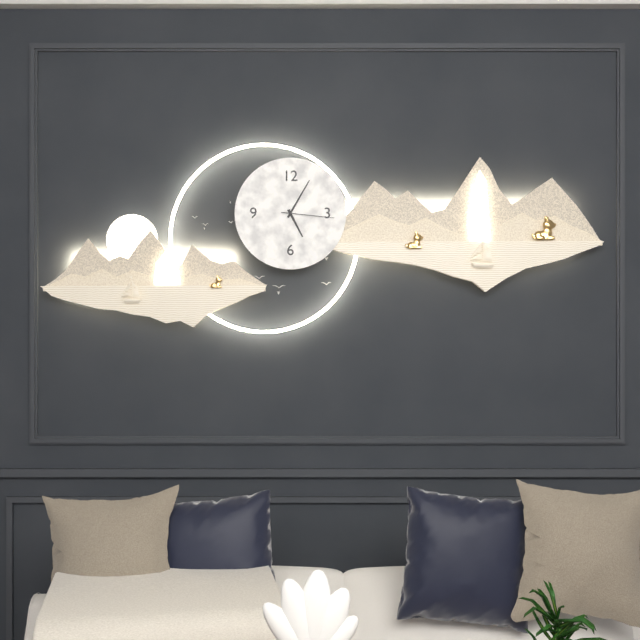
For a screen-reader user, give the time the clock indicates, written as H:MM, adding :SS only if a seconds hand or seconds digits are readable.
5:05:16
